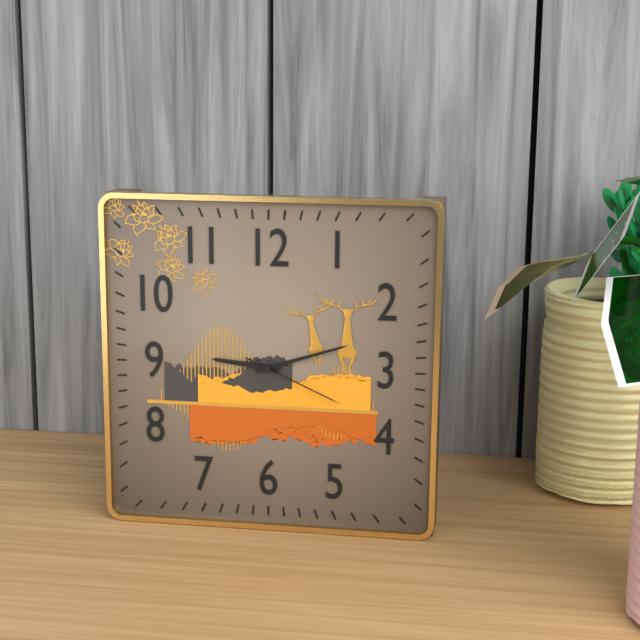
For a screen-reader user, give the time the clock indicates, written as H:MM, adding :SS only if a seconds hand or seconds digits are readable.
9:12:19
